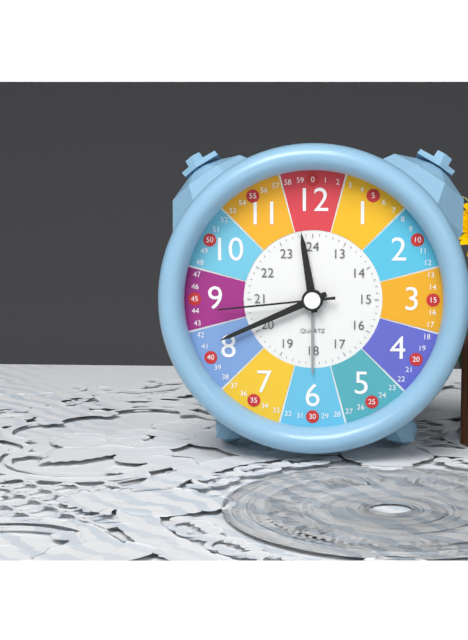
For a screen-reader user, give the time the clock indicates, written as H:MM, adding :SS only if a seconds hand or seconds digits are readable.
11:41:44
